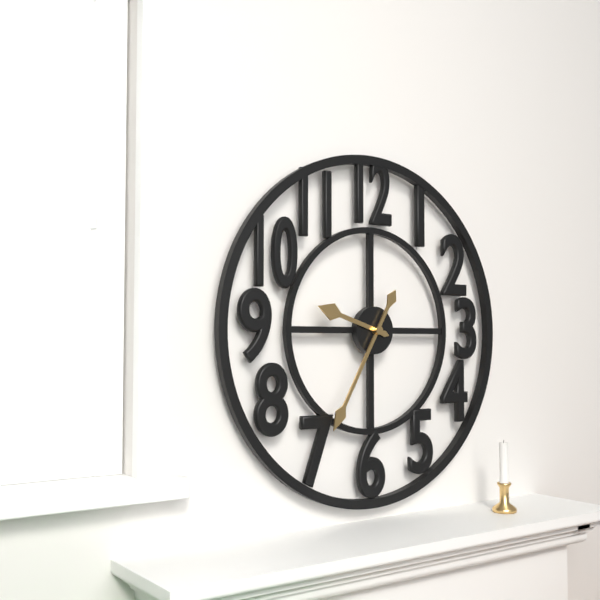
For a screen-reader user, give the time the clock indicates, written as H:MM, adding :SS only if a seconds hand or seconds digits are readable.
9:35
